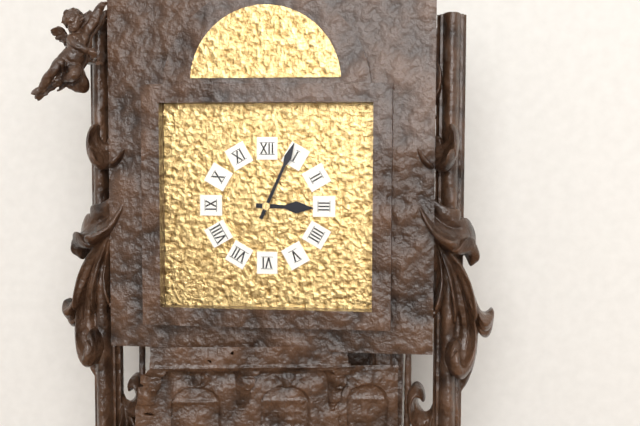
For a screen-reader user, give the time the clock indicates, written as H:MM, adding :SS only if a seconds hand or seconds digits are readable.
3:04
